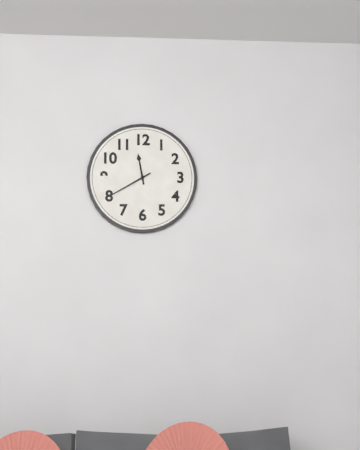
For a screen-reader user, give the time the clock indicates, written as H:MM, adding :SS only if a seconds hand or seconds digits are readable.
11:40
